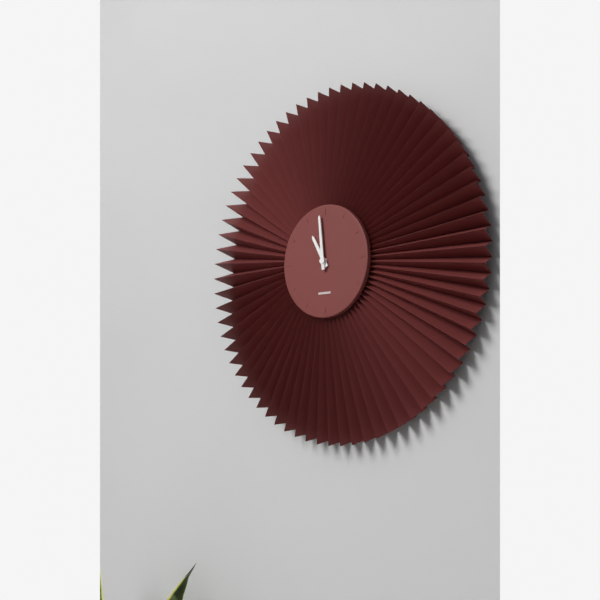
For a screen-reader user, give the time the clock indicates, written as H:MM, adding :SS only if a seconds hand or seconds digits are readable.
10:59
